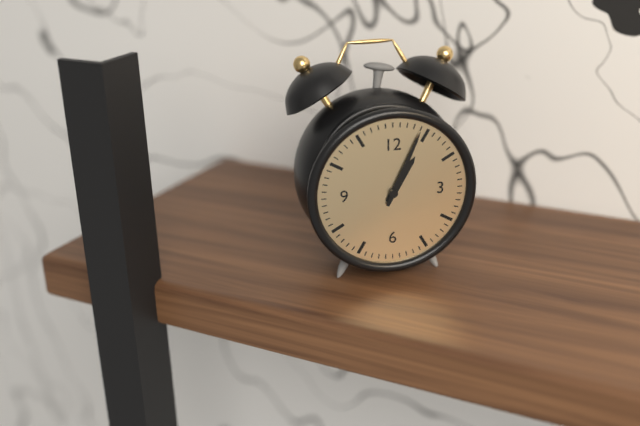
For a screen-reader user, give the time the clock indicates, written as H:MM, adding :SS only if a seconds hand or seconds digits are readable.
1:04
